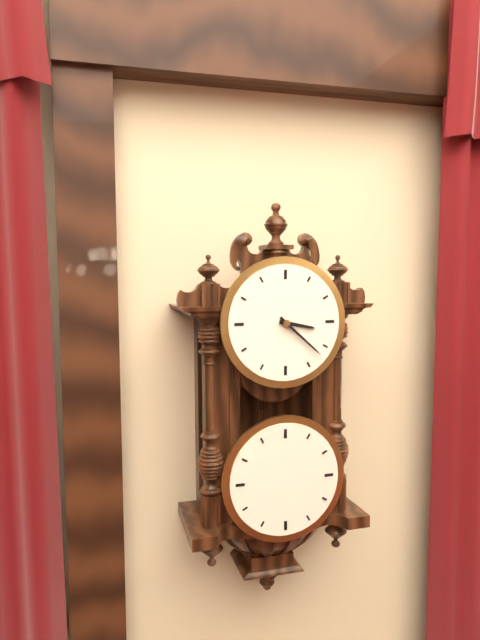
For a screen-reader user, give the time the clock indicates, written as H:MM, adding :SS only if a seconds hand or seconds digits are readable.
3:22
